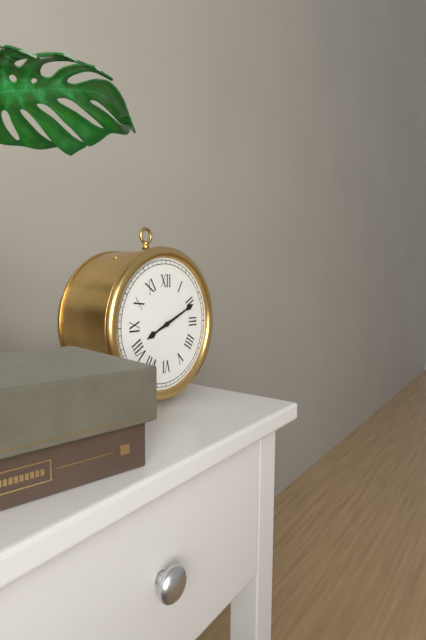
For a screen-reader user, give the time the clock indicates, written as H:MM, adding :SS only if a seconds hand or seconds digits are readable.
8:11
